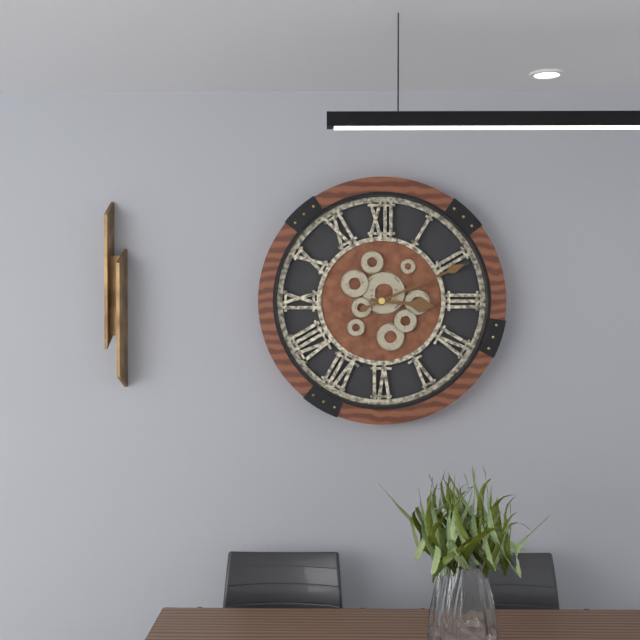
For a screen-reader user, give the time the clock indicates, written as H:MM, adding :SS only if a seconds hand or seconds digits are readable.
3:11
